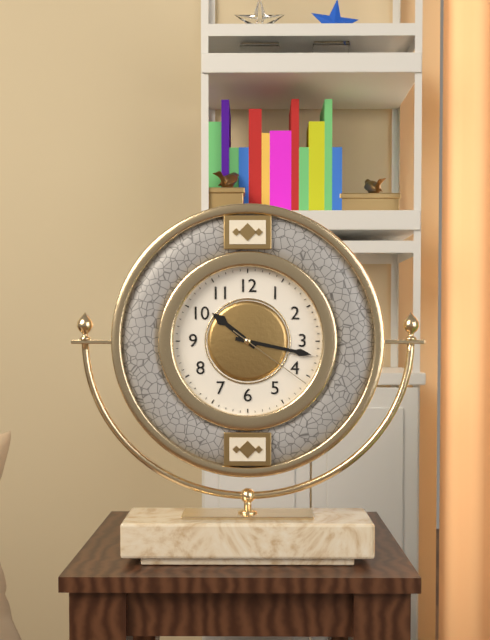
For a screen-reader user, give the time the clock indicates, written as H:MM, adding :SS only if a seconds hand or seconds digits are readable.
10:17:21
